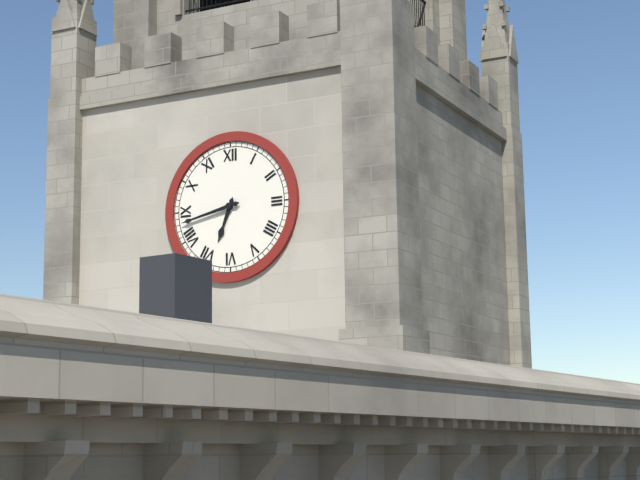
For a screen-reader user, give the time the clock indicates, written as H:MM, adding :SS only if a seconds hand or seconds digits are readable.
6:43
